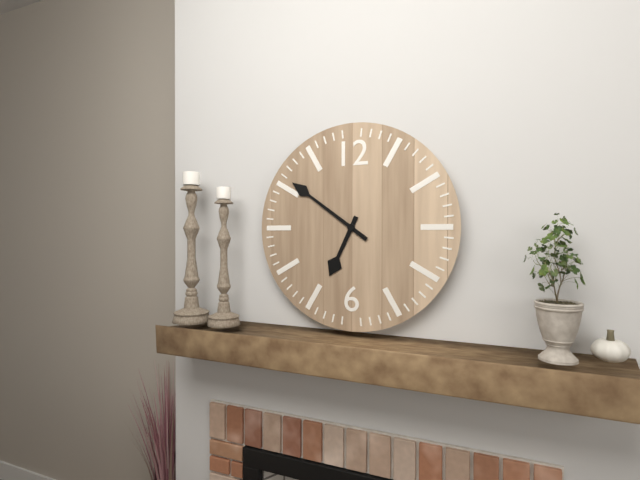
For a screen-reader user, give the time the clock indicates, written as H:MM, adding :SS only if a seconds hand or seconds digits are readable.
6:51
